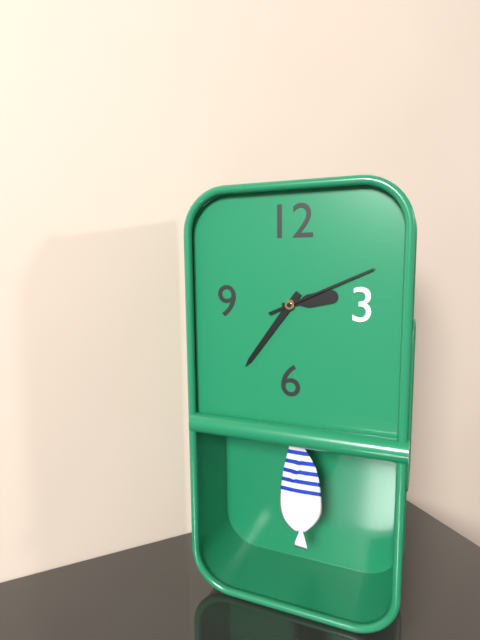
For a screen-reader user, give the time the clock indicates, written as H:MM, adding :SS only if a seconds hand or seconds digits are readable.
2:36:11
